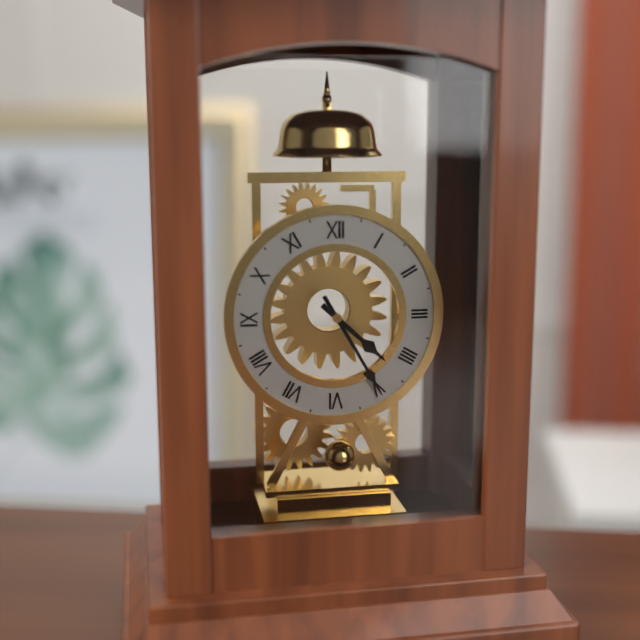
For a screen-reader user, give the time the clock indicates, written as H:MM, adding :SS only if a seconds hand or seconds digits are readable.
4:25
